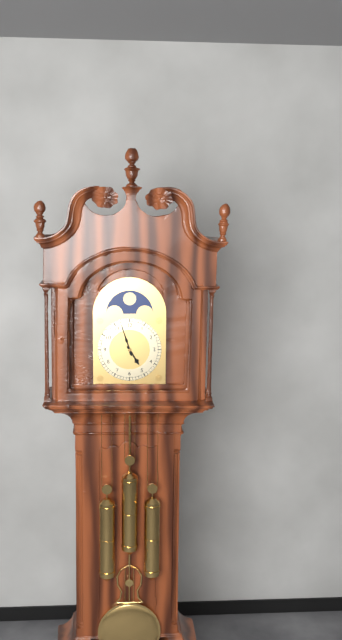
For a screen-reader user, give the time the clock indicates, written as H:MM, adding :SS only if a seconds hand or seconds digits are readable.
4:57
